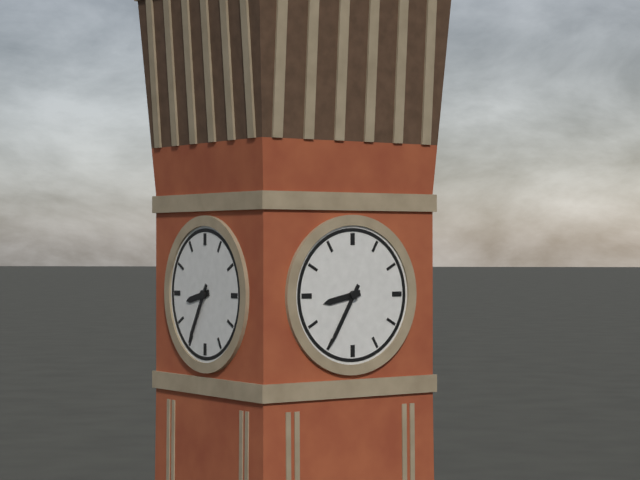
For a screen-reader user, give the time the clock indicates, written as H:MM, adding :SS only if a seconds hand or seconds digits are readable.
8:35
